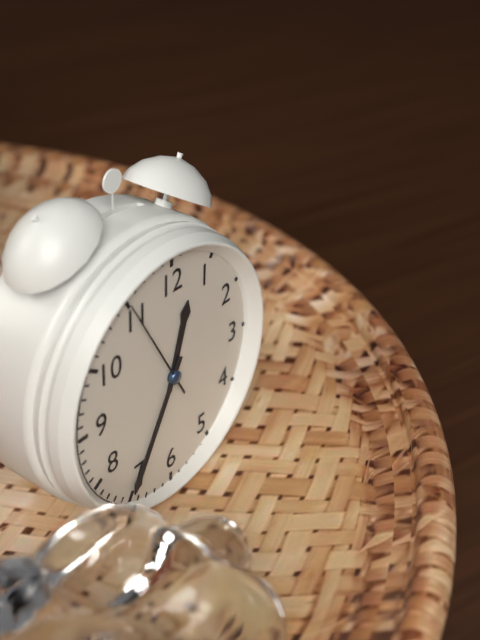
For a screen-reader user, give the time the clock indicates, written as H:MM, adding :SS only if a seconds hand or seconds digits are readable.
12:35:55
